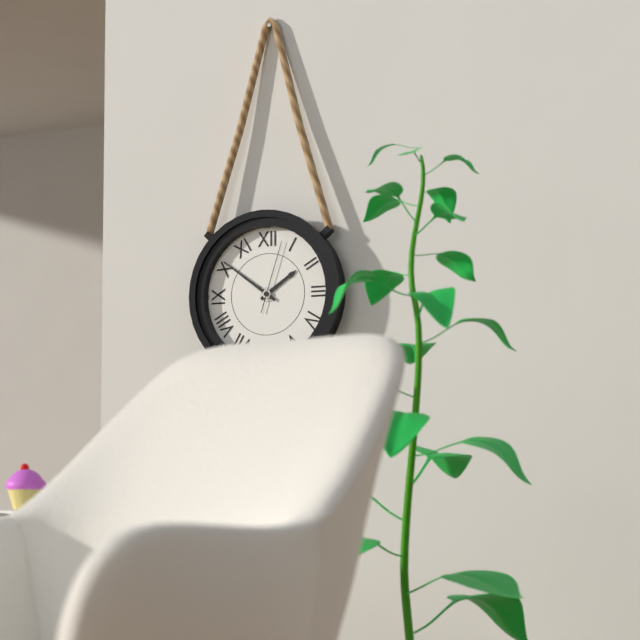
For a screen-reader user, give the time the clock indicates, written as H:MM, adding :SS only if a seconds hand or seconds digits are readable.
1:51:03
